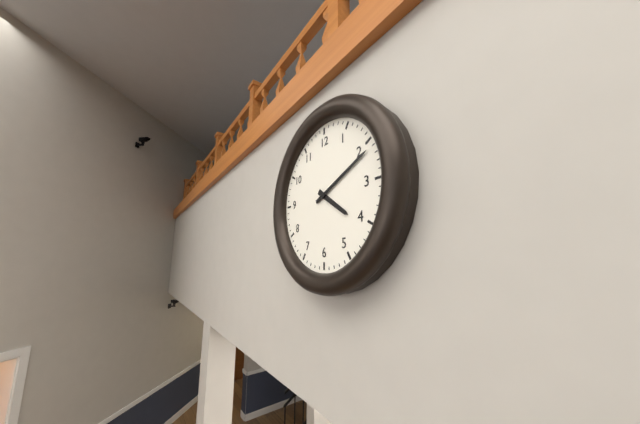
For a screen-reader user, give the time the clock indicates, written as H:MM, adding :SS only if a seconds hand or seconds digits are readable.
4:11
